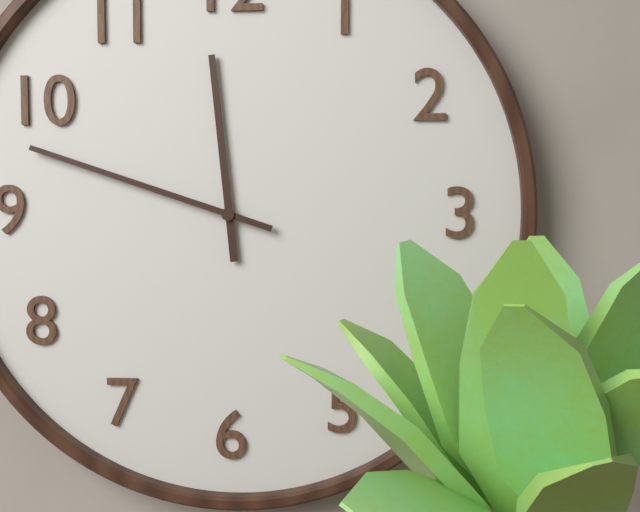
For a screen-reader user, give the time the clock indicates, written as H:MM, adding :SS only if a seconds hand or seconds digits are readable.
11:48
